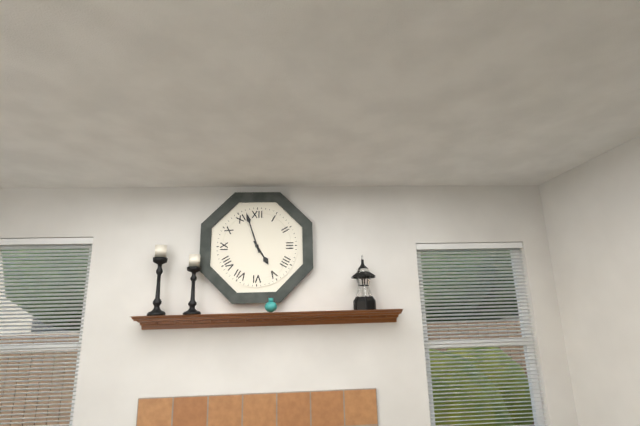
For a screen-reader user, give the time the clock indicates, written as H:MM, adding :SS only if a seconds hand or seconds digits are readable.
4:57
